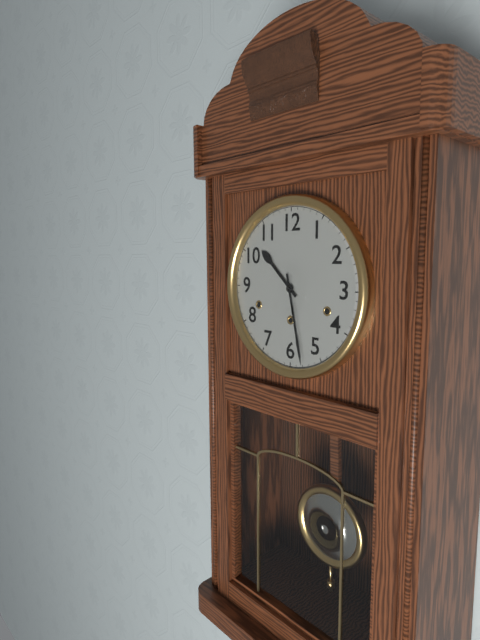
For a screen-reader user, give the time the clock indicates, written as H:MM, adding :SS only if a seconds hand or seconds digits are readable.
10:28
